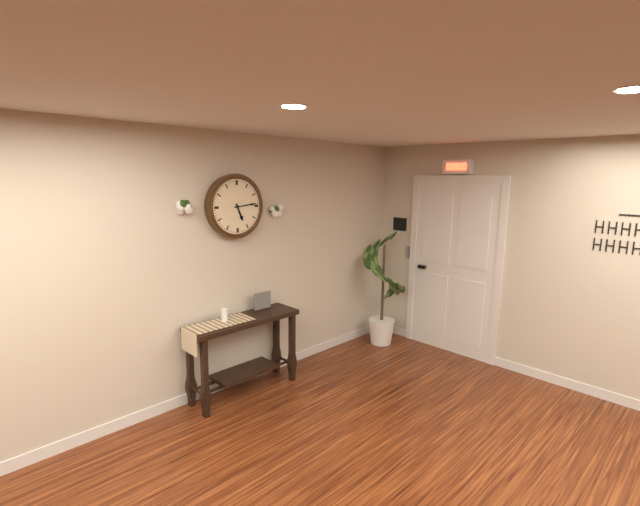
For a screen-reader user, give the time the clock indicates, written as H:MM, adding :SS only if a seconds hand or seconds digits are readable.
5:14
